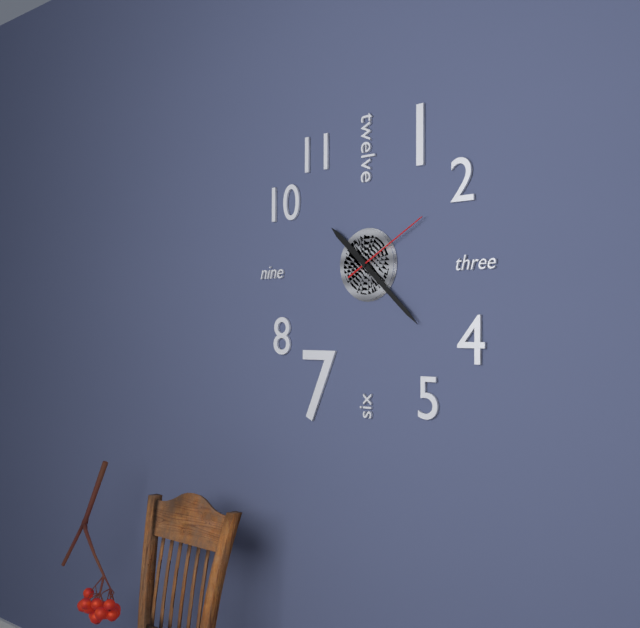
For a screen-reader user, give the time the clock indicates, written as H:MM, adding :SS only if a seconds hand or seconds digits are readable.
10:22:10
